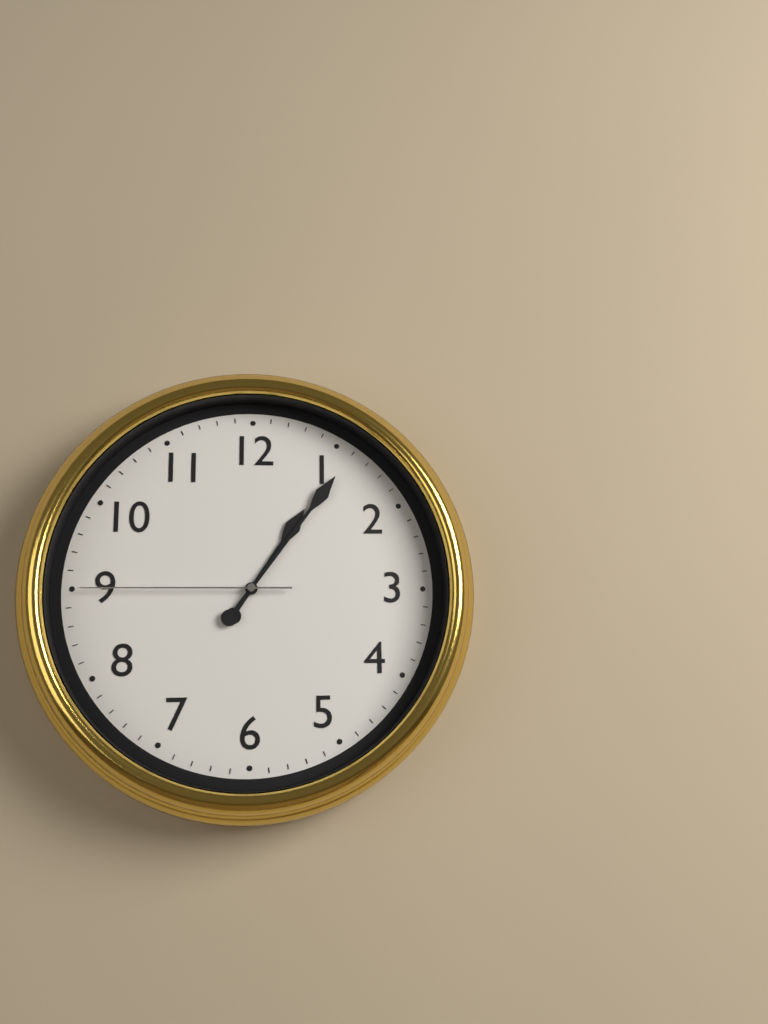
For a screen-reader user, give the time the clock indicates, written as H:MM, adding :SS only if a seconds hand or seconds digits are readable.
1:06:45
